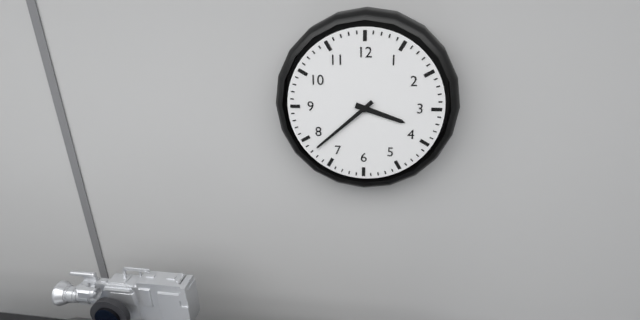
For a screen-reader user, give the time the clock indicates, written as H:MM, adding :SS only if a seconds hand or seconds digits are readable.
3:38
